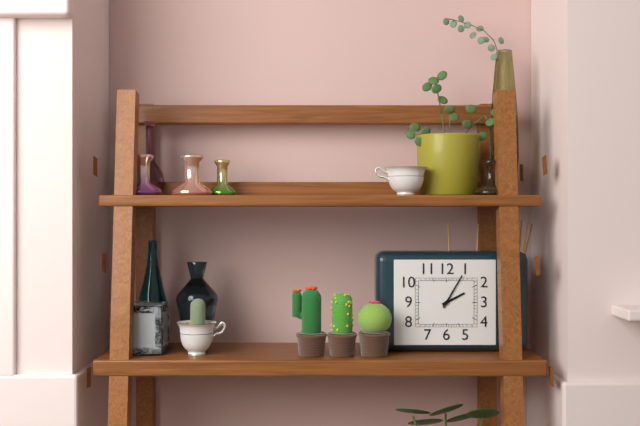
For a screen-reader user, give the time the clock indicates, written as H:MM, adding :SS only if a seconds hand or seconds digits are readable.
2:05
